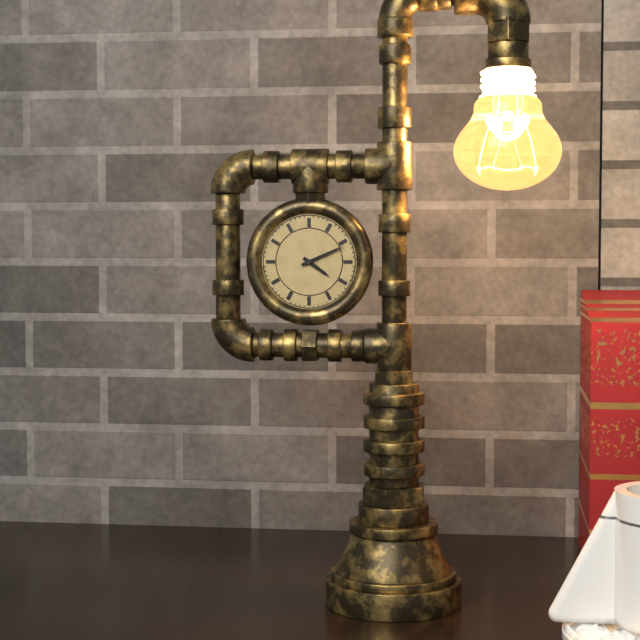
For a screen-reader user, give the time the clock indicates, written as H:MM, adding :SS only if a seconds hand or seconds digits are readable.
4:11
